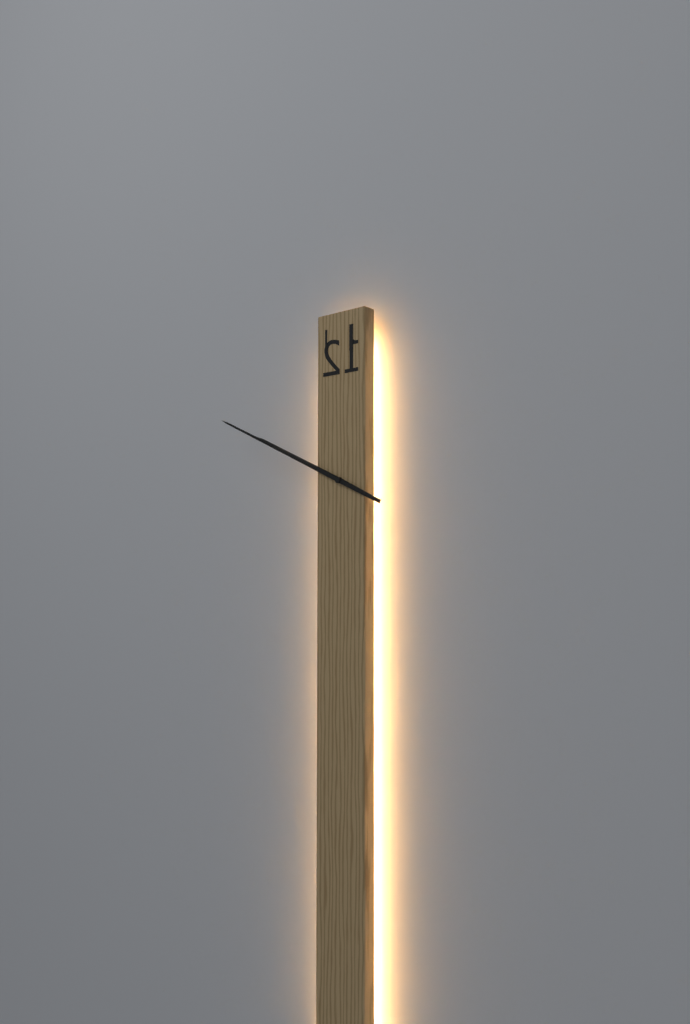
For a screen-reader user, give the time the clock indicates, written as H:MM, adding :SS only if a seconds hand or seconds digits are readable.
9:49
